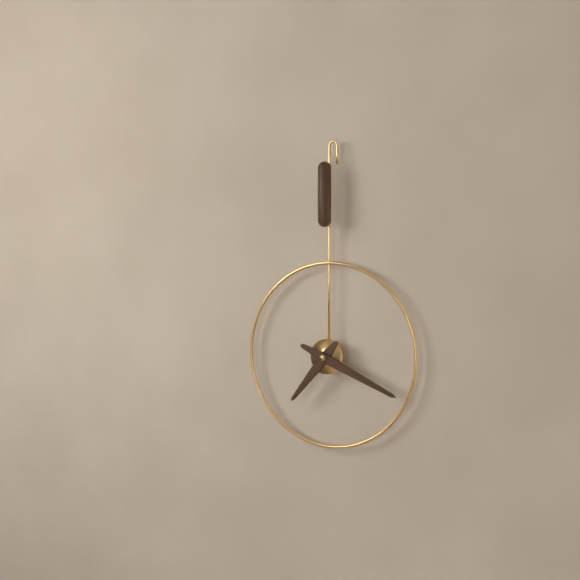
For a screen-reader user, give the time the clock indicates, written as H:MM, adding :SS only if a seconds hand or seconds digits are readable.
7:19
